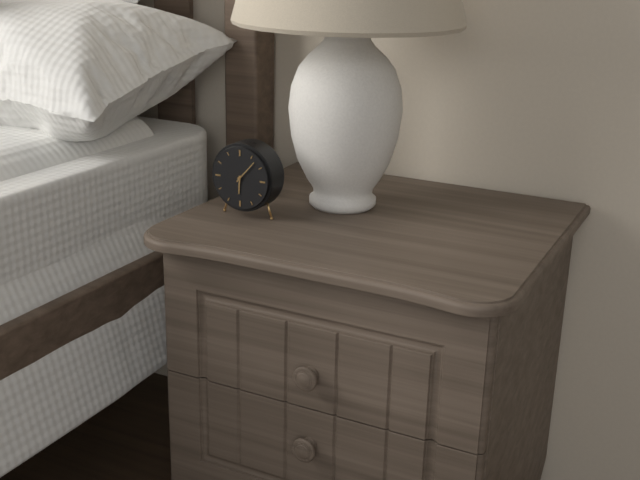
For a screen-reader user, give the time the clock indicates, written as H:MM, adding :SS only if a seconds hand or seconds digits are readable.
6:07
